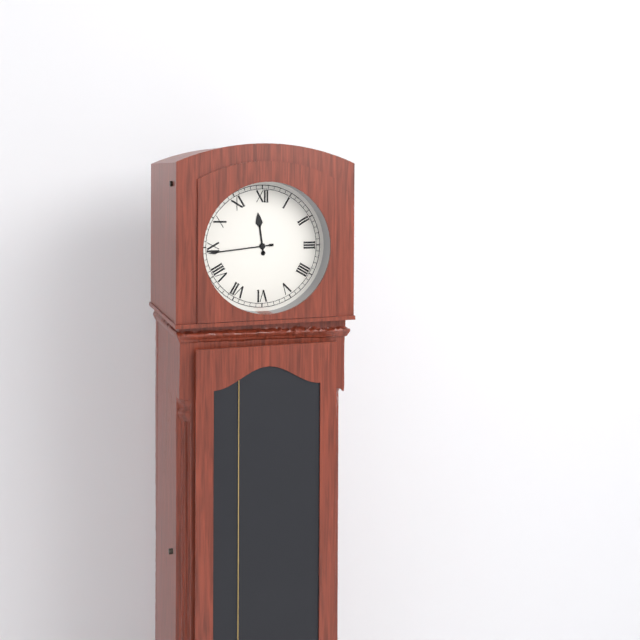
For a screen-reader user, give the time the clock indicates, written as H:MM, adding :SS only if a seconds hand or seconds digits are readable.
11:44
